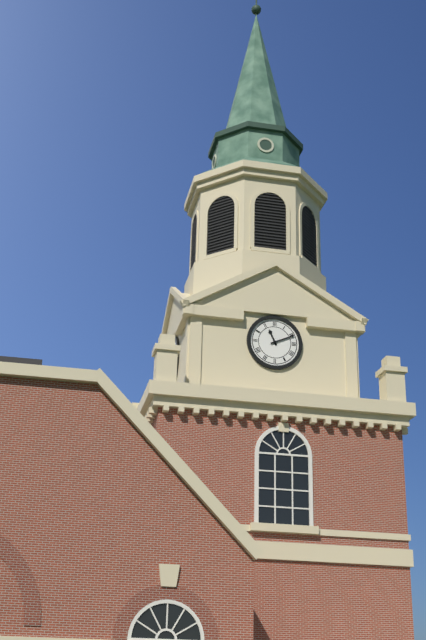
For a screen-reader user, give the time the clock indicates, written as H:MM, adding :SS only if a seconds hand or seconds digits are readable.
11:11
